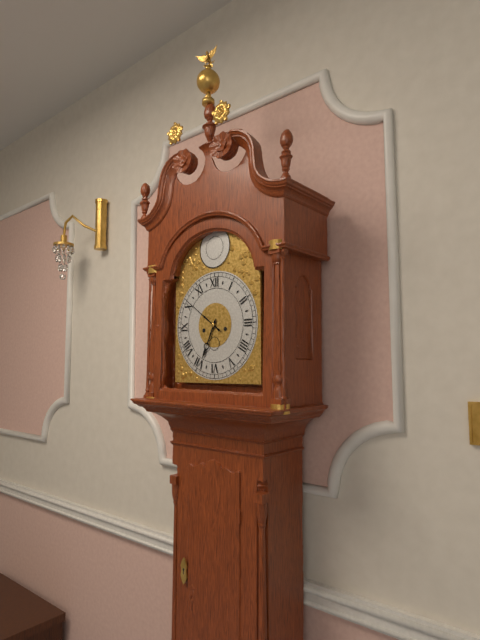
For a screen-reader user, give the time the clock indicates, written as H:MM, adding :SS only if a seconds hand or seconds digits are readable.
6:51
